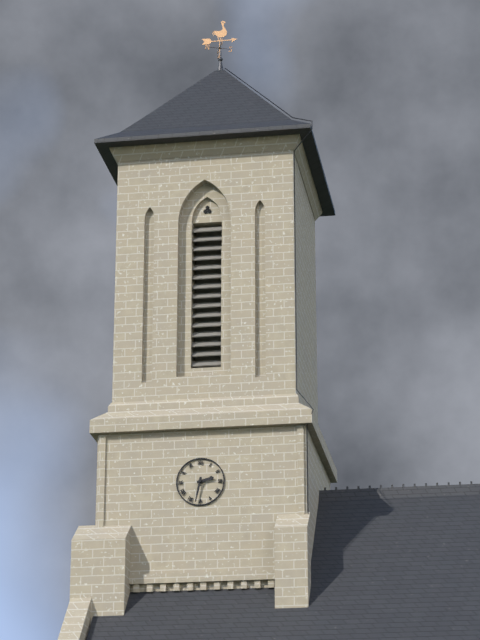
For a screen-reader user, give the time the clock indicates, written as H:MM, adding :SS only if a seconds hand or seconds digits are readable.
2:32
